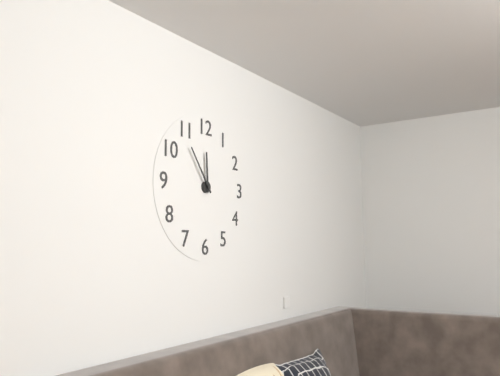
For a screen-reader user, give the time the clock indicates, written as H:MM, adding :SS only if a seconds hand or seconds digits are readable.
11:54
